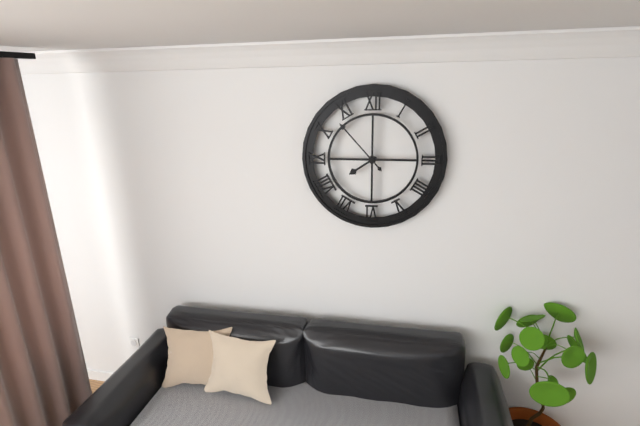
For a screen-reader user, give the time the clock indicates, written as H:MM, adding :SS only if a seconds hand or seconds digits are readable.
7:53
